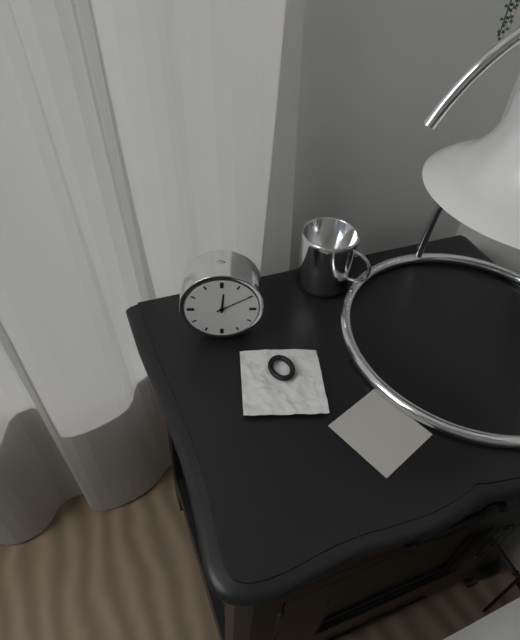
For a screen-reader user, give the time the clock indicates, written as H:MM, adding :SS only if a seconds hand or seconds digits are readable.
12:10
